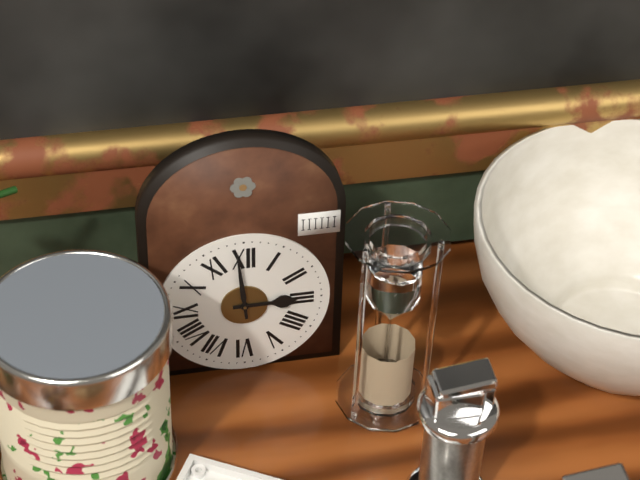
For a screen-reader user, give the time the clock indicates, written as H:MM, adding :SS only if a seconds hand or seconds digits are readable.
2:59
